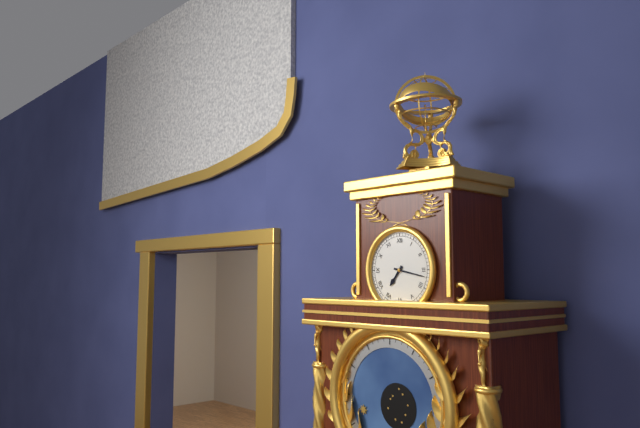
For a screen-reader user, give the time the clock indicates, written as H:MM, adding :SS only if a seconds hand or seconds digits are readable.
7:17
